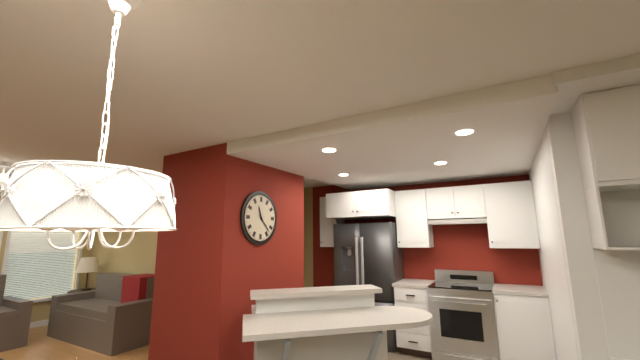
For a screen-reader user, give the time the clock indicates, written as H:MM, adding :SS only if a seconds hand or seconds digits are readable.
11:23
